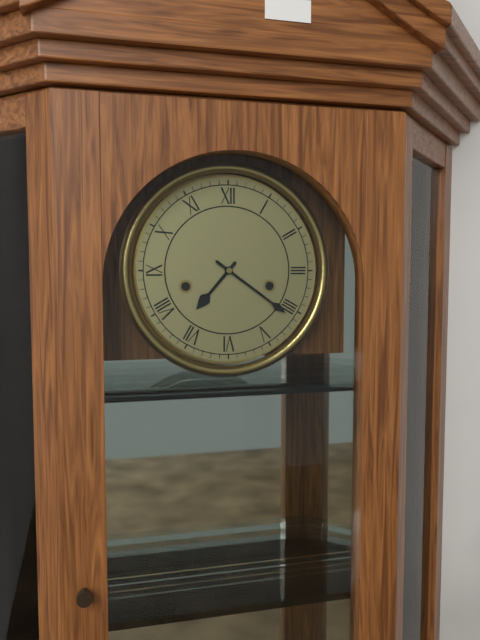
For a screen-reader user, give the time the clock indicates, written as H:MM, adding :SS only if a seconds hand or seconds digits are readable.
7:21
